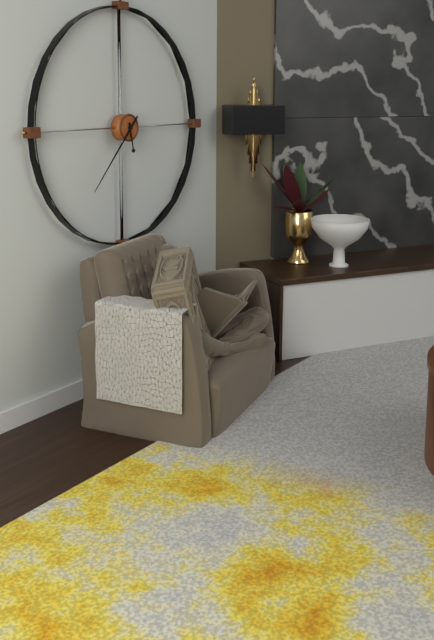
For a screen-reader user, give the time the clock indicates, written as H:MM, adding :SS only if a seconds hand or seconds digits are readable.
5:37
